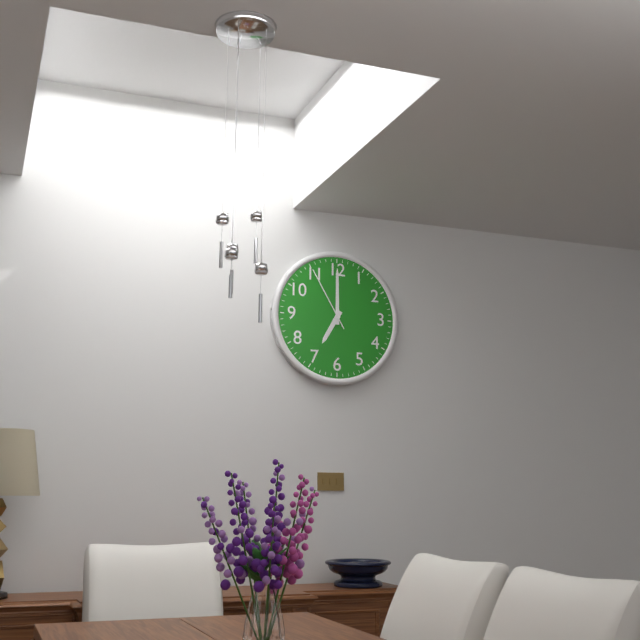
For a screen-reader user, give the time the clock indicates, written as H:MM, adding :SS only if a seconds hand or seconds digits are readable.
7:00:55
